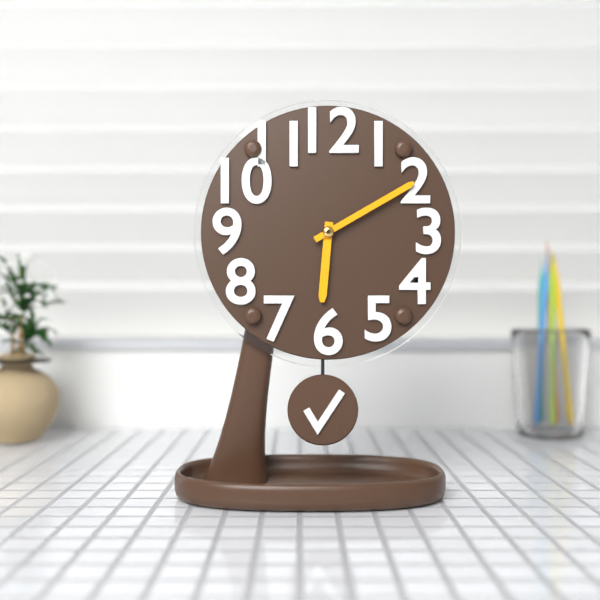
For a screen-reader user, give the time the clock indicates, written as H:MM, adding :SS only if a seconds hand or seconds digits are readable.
6:10
